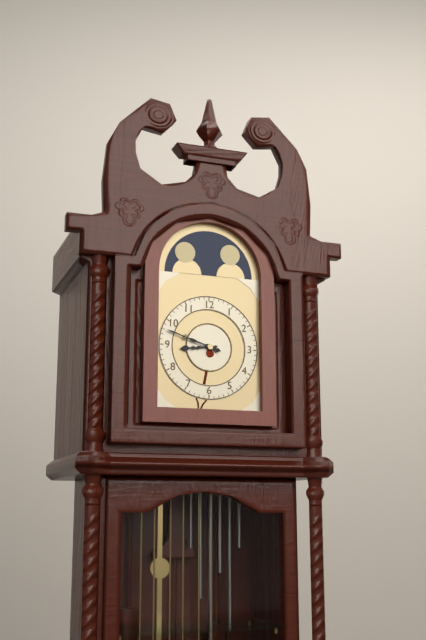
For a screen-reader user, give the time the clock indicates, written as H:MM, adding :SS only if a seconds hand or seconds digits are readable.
8:48
